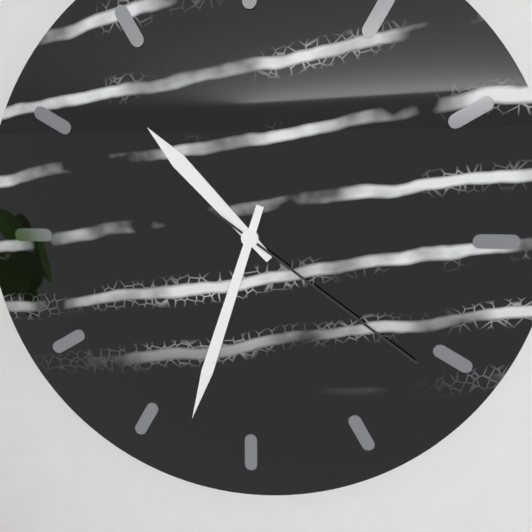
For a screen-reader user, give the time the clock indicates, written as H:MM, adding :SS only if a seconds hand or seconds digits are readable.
10:33:21
